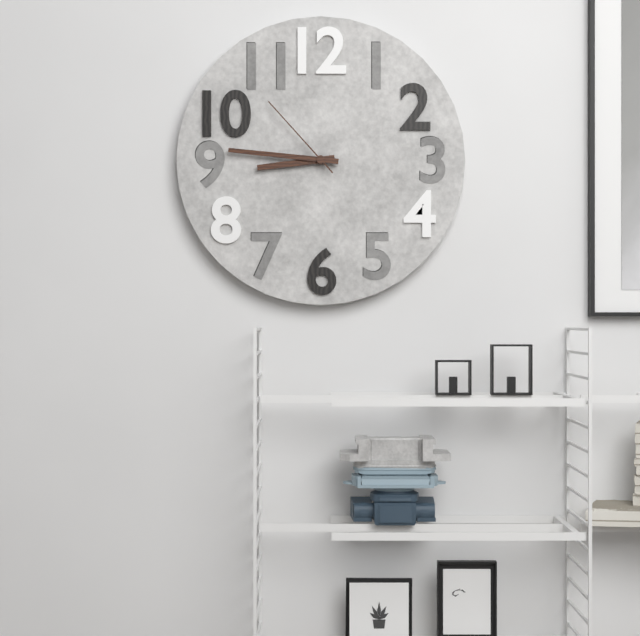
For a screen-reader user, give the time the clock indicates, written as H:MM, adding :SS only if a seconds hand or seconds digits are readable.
8:46:53
